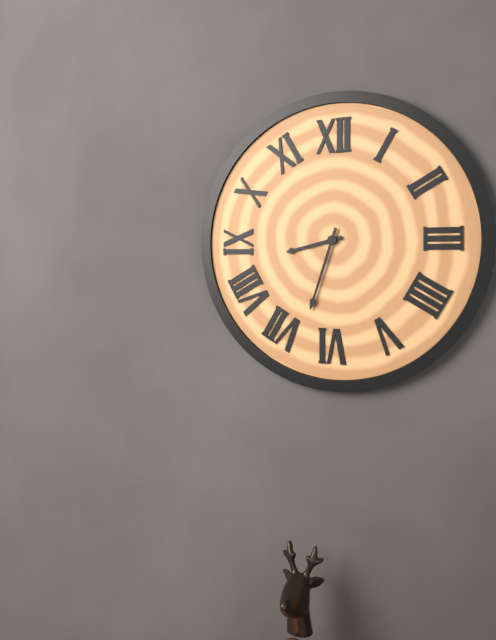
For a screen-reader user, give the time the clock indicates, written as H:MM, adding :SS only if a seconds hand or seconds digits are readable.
8:33
